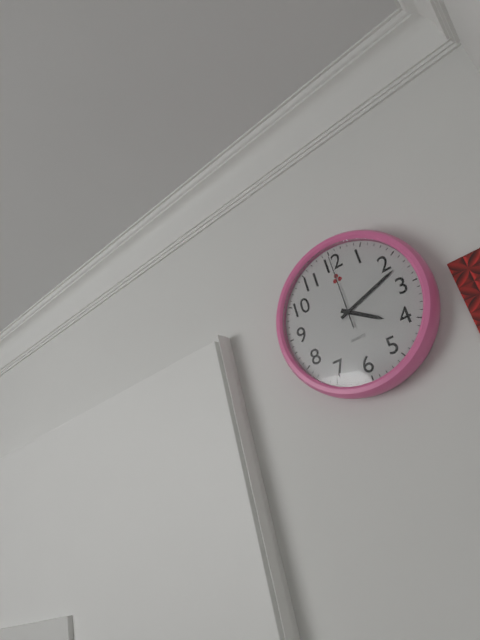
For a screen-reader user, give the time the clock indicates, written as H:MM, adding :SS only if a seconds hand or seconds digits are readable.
4:12:00
